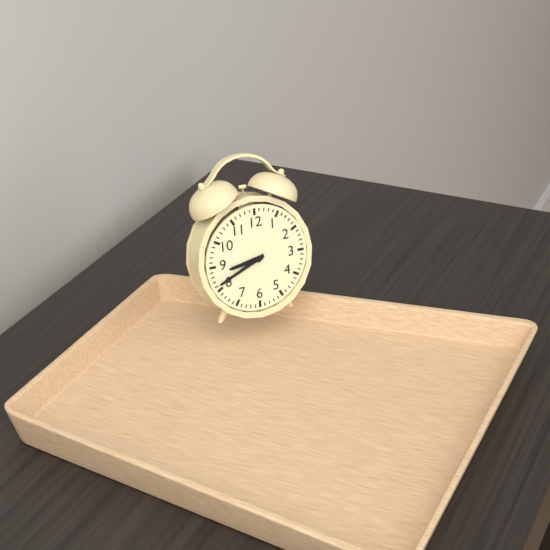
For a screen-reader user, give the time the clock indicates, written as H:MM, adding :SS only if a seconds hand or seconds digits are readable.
8:41
